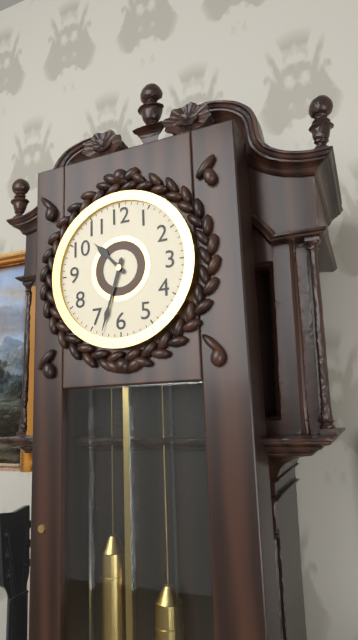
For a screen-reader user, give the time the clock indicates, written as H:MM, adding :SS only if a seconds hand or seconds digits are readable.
10:33
